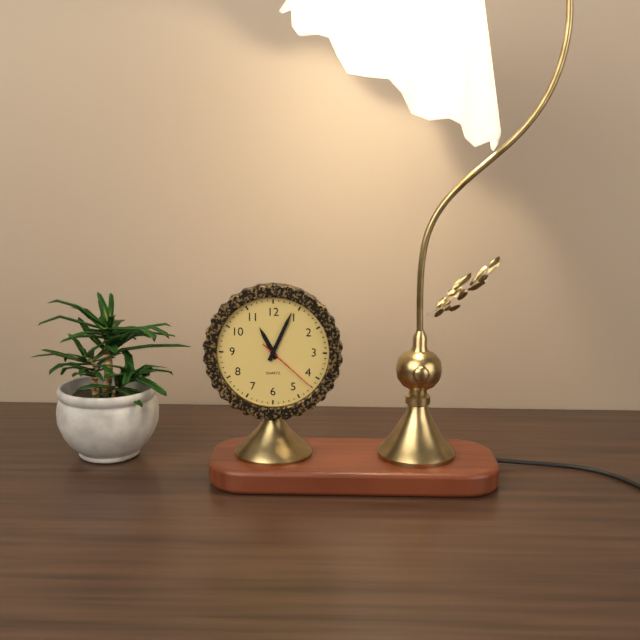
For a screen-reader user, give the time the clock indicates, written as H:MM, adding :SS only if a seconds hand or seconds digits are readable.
11:04:22
